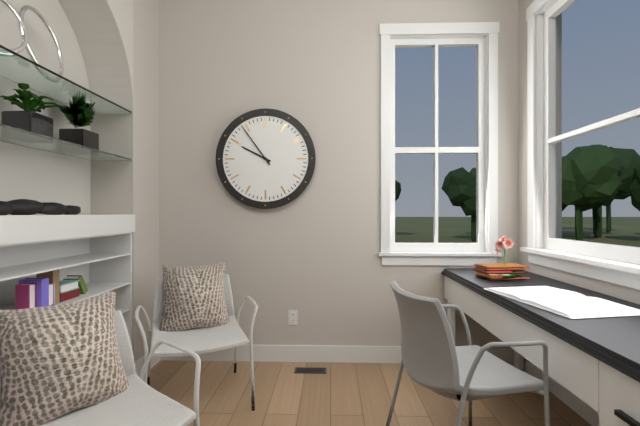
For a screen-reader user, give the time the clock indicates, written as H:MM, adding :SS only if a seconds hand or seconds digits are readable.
9:54
